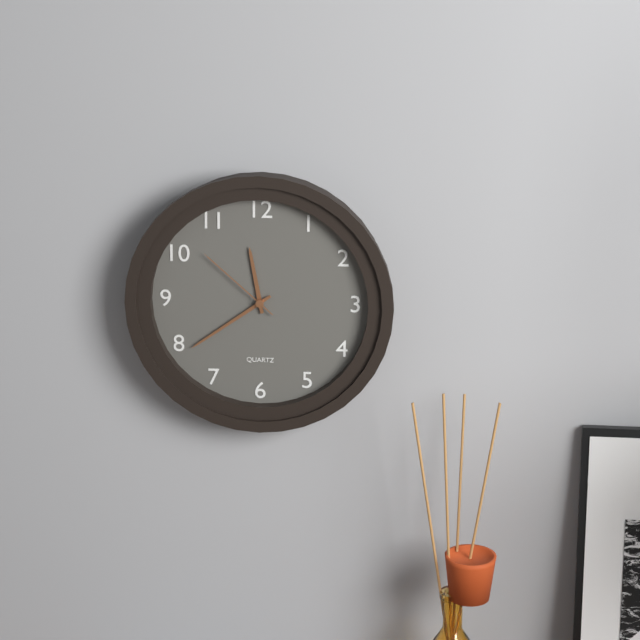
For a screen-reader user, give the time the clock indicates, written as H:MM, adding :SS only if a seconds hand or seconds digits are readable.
11:39:52
